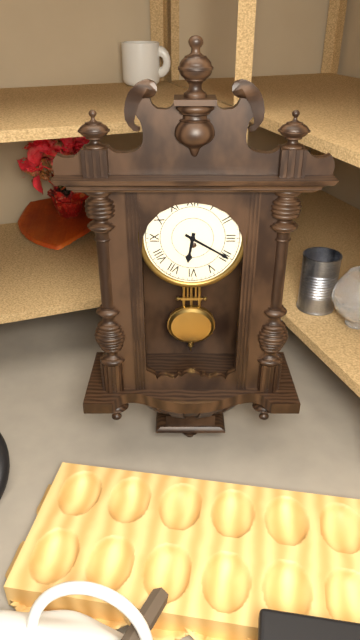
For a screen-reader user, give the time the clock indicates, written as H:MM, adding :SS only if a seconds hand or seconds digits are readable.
6:20
